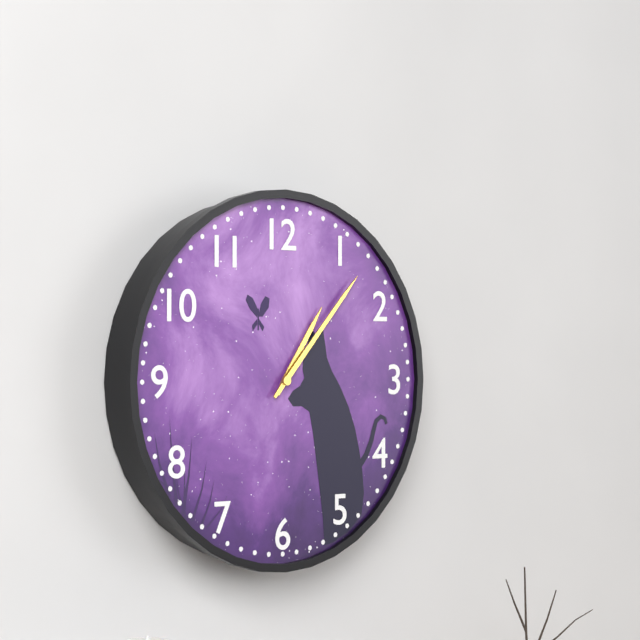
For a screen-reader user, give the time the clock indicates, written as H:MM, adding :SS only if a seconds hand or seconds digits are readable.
1:07
